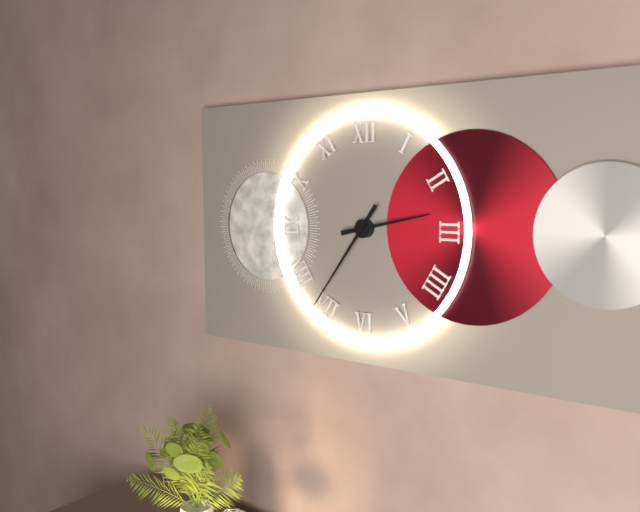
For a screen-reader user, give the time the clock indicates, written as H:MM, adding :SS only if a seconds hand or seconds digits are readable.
2:36
